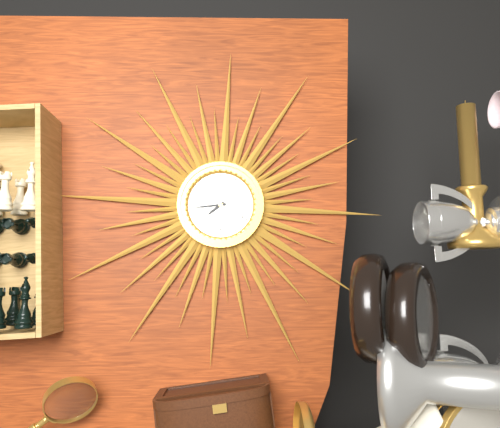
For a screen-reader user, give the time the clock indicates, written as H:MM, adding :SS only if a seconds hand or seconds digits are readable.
7:44
